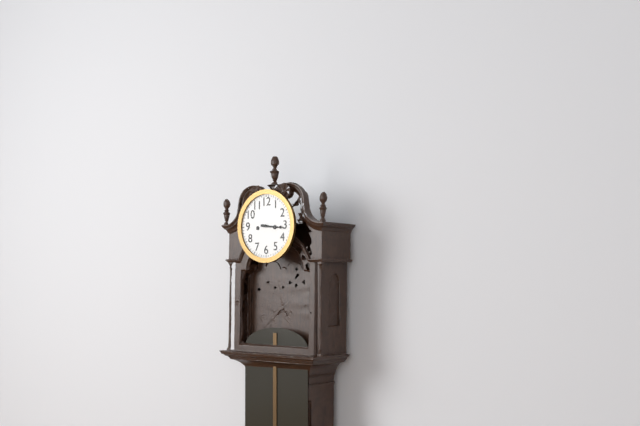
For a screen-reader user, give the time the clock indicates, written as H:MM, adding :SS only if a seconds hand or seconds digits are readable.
3:16
